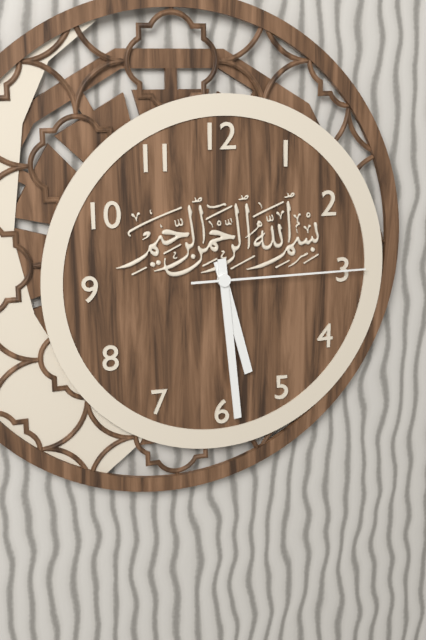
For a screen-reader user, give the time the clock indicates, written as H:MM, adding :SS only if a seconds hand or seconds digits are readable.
5:29:15
